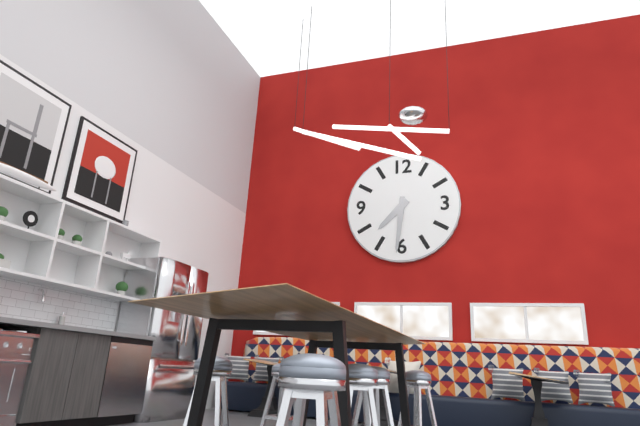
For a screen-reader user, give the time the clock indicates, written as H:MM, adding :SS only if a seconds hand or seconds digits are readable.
7:31
